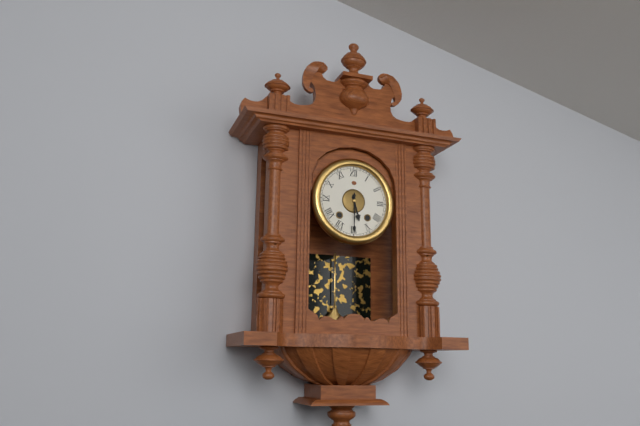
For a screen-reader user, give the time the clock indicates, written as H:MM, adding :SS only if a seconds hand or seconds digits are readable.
5:30
